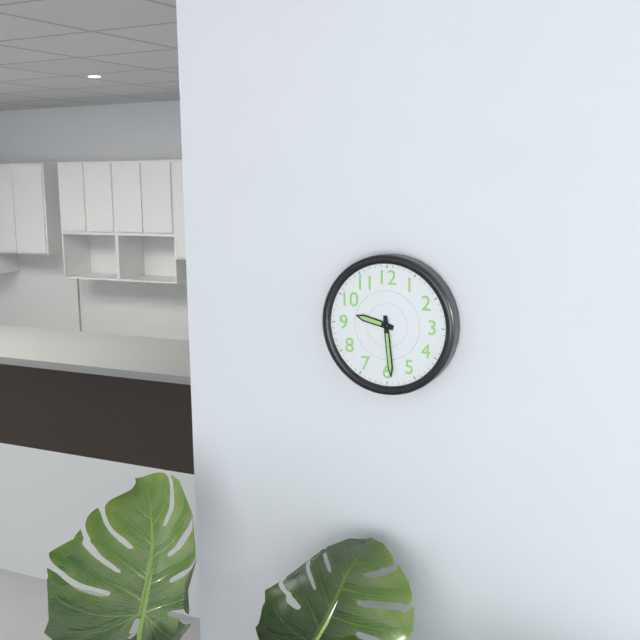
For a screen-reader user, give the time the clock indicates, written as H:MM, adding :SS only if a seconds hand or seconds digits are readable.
9:29
